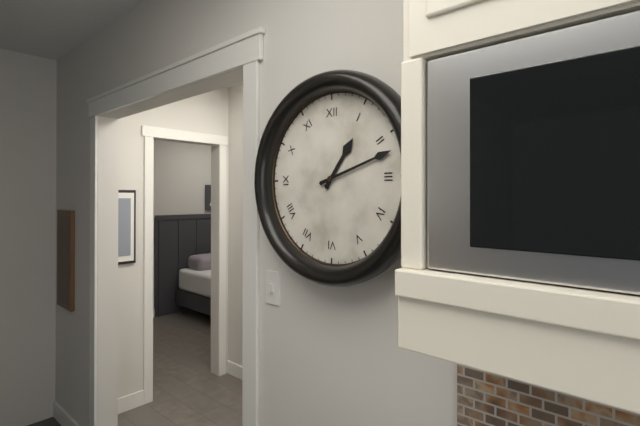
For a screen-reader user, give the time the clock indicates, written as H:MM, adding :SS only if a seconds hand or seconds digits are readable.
1:12
